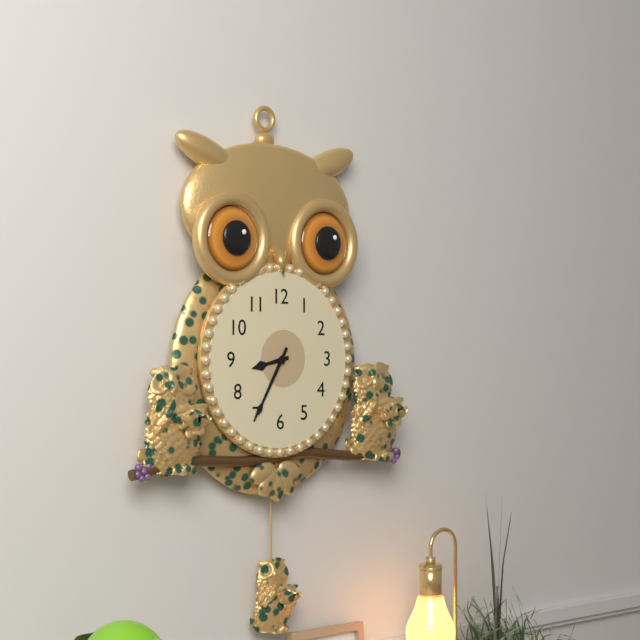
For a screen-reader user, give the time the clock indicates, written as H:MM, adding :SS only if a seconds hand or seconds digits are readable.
8:35
